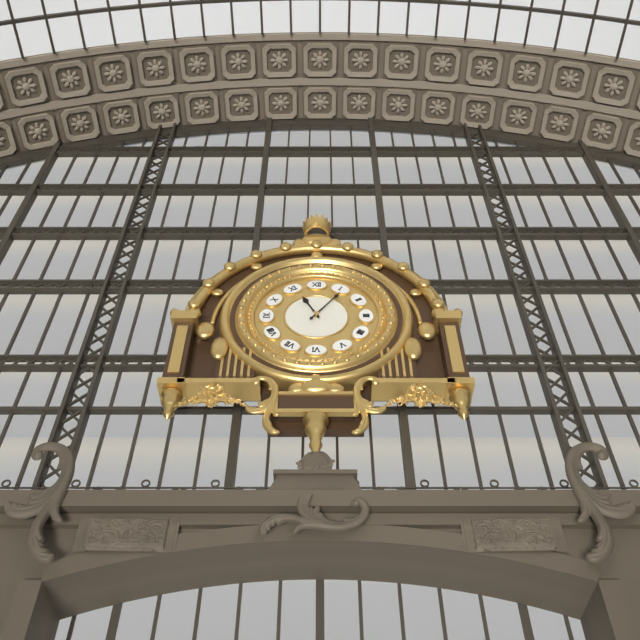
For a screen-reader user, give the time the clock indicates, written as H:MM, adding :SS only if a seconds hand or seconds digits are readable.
11:06
